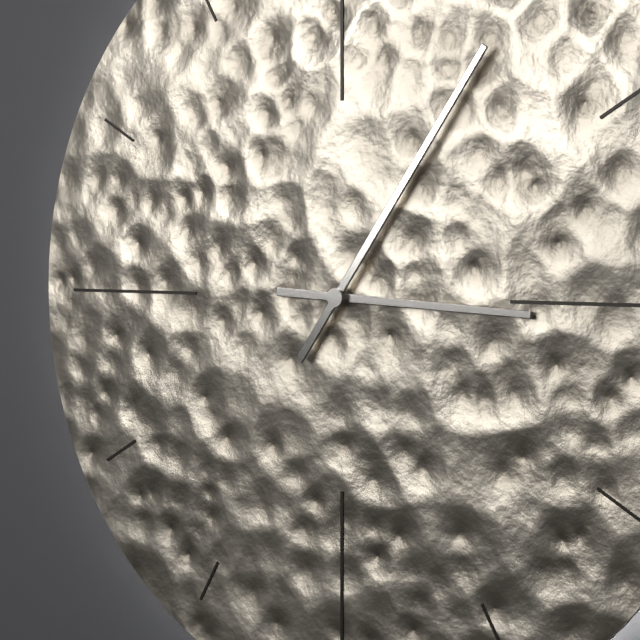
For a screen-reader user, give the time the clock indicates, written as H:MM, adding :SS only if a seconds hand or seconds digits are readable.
3:06
